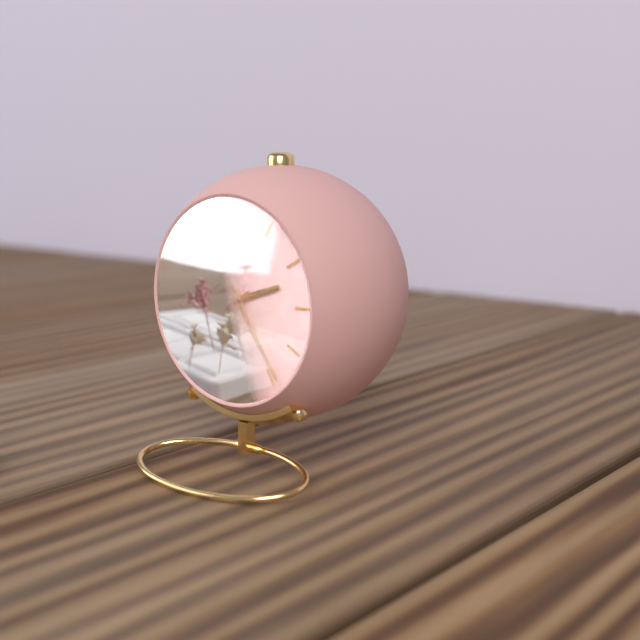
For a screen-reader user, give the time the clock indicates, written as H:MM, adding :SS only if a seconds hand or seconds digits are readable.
2:24:40
